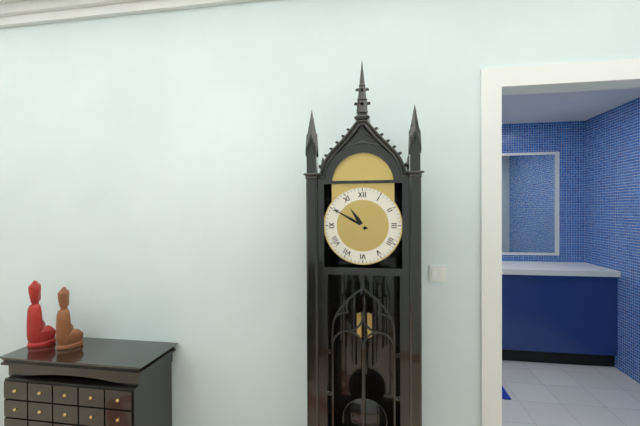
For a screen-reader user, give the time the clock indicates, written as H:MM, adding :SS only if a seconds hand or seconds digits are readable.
10:50
